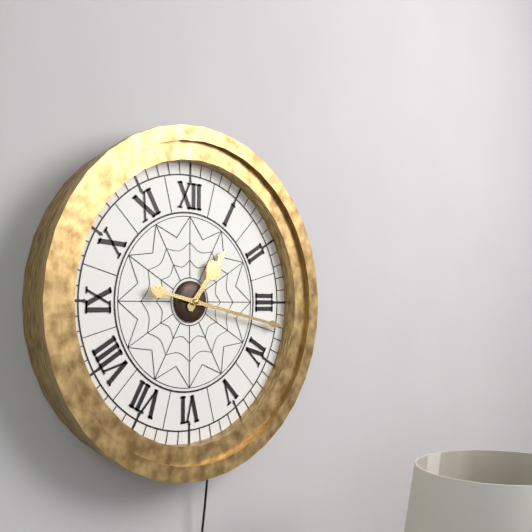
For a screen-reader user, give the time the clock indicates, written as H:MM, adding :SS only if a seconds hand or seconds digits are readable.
1:17
